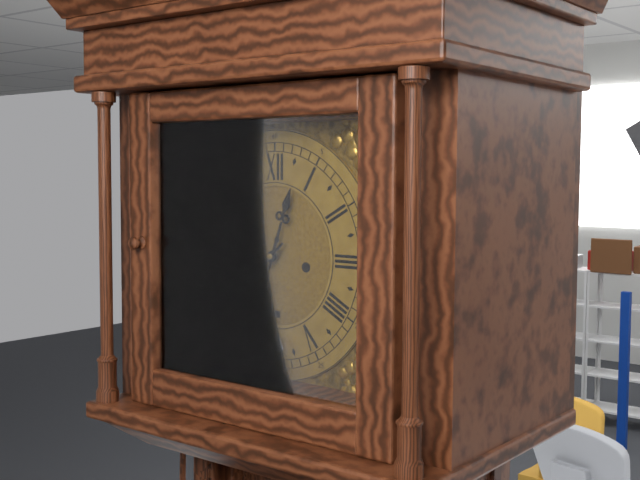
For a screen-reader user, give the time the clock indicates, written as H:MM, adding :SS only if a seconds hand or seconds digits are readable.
12:38
